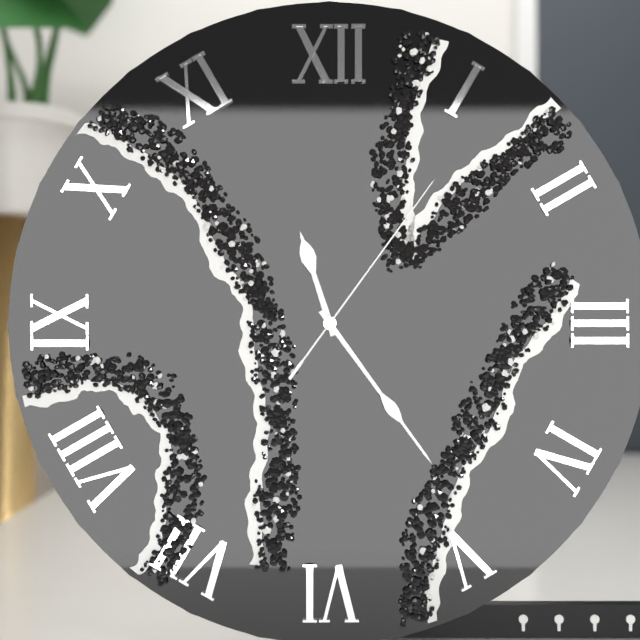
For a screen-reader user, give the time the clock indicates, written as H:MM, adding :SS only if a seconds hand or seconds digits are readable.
11:24:06
